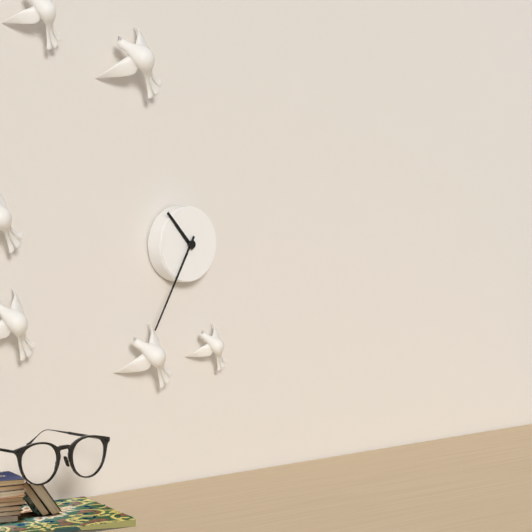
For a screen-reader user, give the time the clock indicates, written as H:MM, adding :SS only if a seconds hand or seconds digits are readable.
10:35
